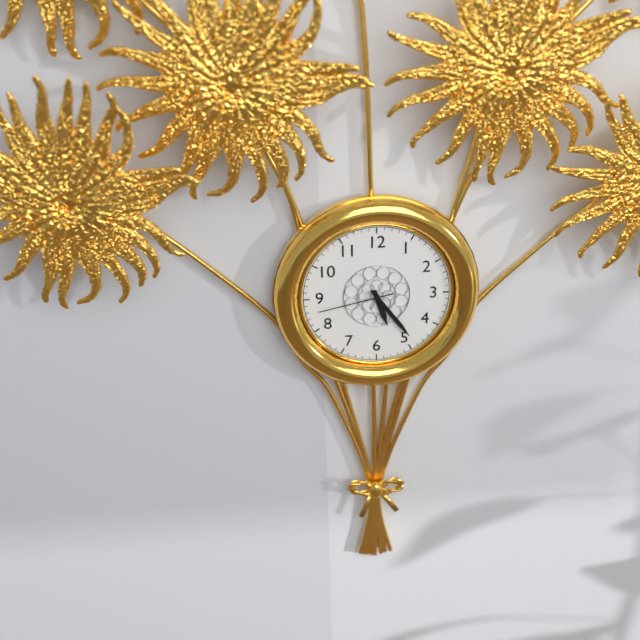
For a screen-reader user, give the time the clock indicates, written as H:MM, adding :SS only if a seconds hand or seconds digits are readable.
5:24:43
